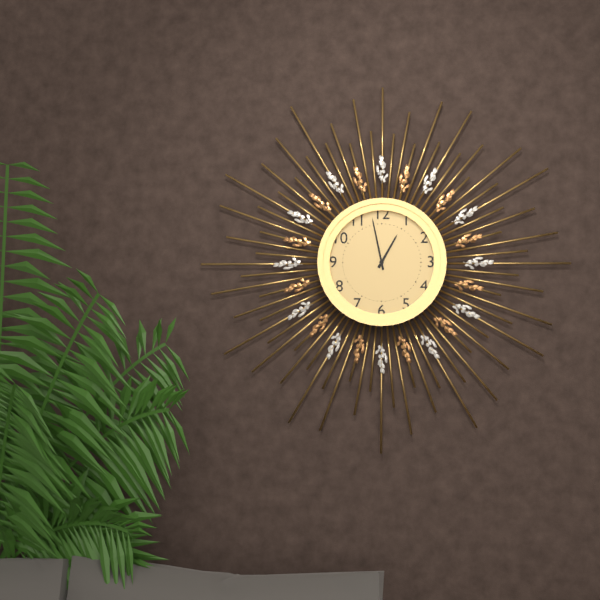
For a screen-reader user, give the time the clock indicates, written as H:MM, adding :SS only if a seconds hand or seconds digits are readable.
12:58
